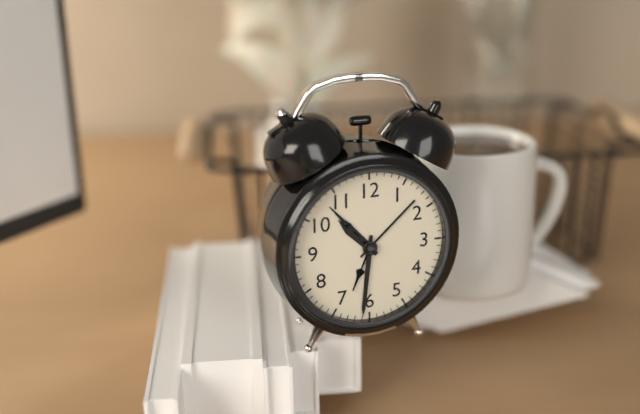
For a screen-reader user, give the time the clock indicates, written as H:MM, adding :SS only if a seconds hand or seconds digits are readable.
10:31
